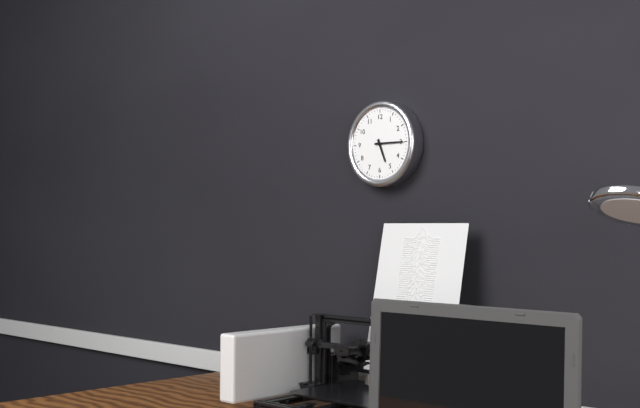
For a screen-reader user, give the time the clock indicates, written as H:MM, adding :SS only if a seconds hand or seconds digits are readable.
5:15
